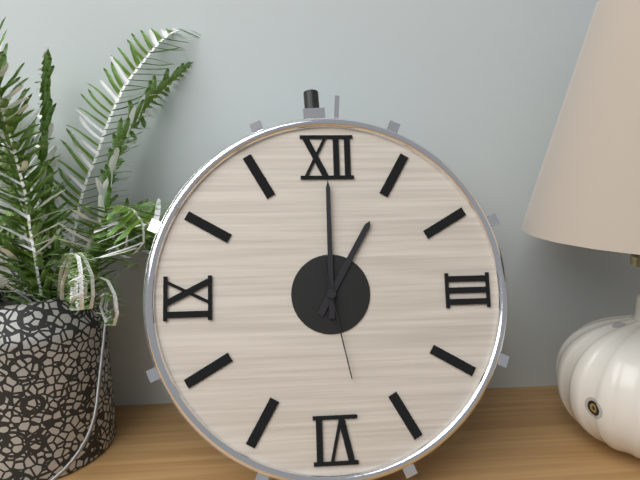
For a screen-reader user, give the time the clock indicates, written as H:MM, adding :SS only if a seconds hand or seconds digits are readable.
1:00:28
